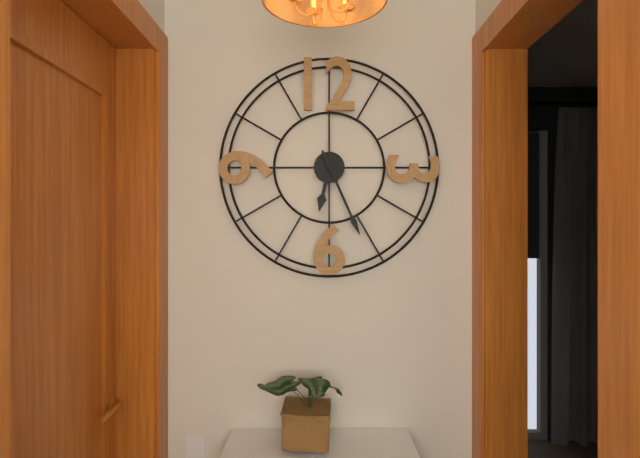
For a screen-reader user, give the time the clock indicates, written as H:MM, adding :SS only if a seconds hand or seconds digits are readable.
6:26
